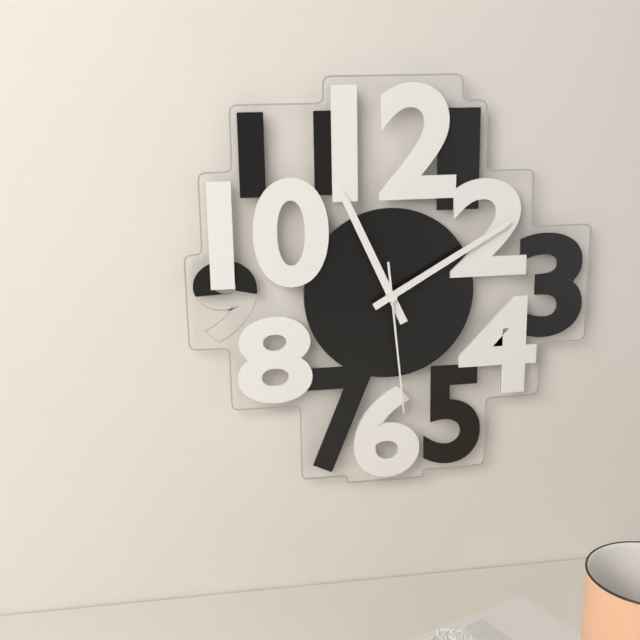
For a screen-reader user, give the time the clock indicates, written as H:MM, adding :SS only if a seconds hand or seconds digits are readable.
11:10:29
